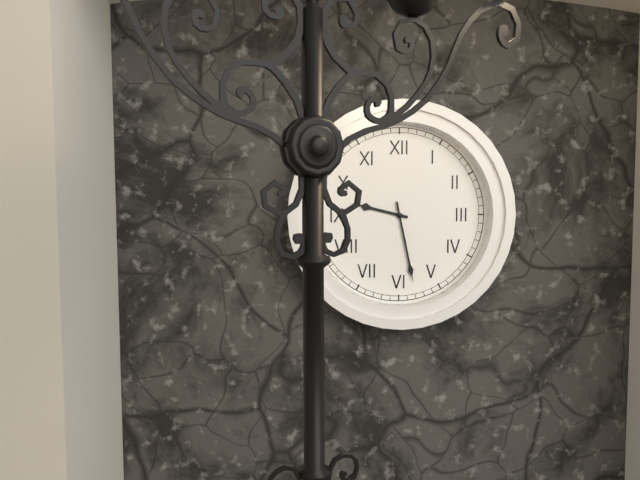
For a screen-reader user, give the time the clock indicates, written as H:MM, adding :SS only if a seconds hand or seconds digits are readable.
9:28
